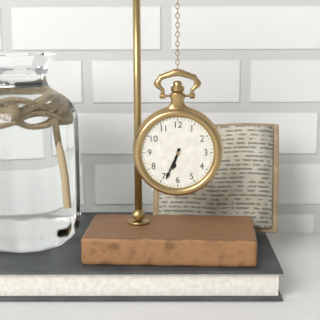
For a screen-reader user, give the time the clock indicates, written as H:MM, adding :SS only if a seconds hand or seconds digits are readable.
6:34
